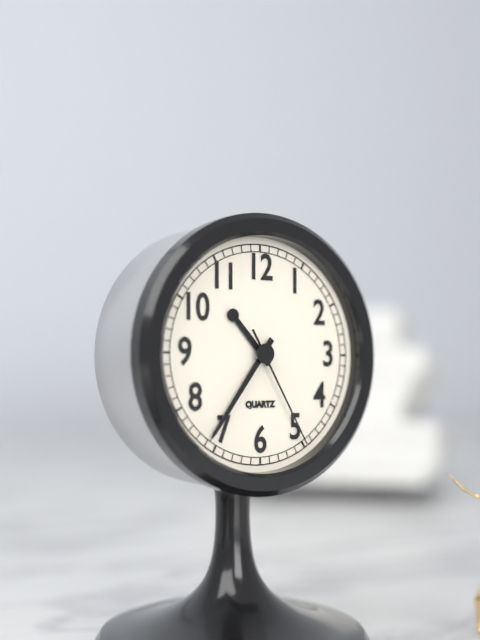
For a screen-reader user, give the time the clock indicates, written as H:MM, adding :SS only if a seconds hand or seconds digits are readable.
10:36:25
